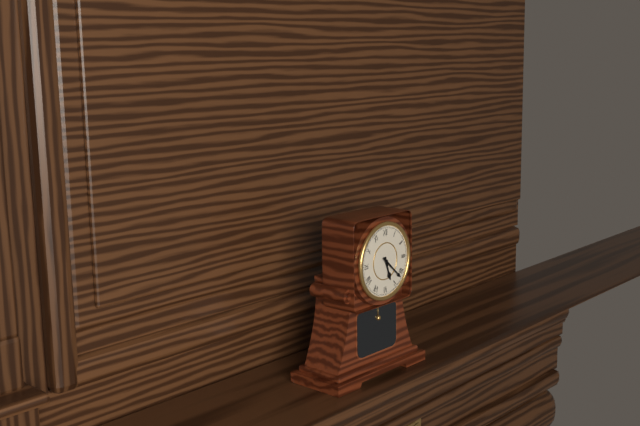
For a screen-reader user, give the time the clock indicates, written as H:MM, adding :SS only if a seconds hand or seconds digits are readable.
5:22
